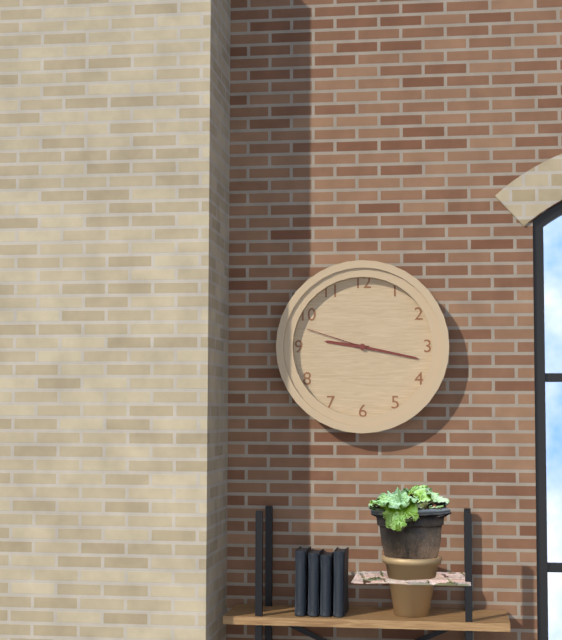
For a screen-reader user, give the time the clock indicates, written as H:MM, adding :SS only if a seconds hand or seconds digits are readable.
9:17:48
